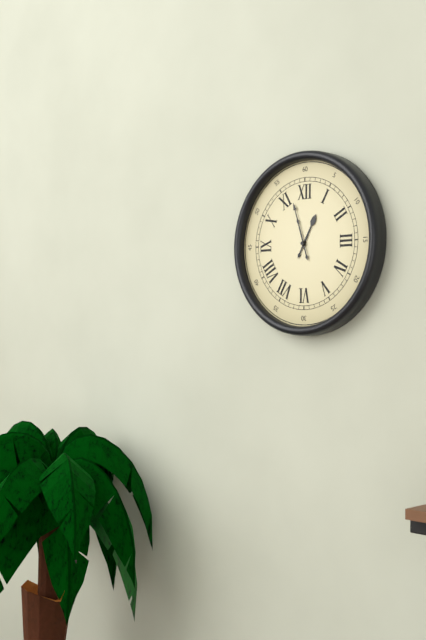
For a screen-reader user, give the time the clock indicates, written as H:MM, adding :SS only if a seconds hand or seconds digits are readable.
12:57
